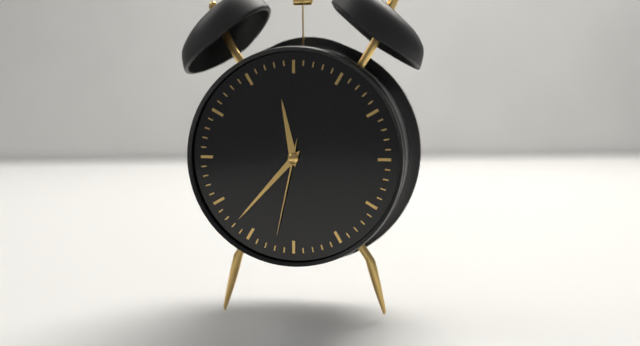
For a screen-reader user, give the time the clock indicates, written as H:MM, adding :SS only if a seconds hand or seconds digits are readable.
11:37:32
